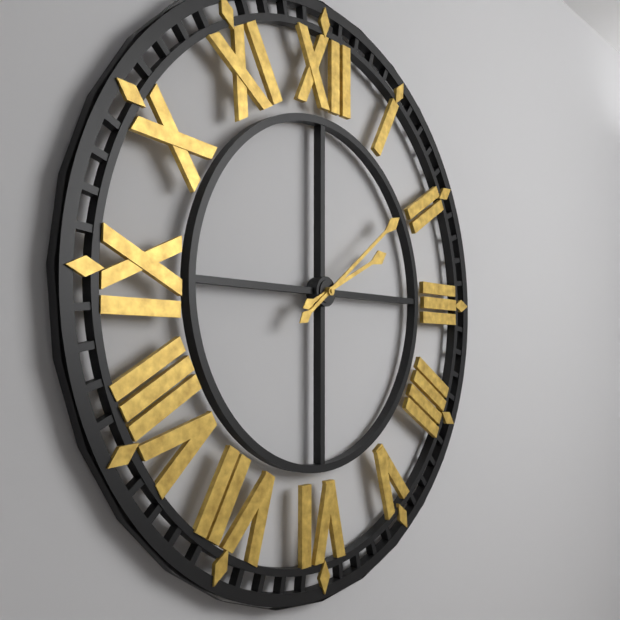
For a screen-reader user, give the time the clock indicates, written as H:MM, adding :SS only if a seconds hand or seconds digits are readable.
2:09
